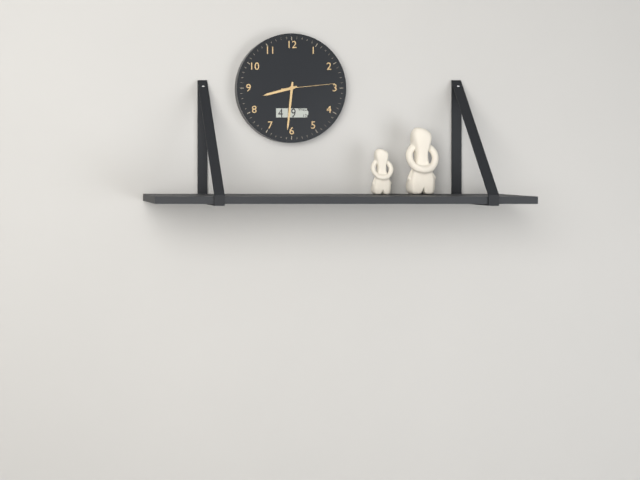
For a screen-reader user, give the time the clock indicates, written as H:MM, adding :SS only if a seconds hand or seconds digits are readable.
8:31:14
